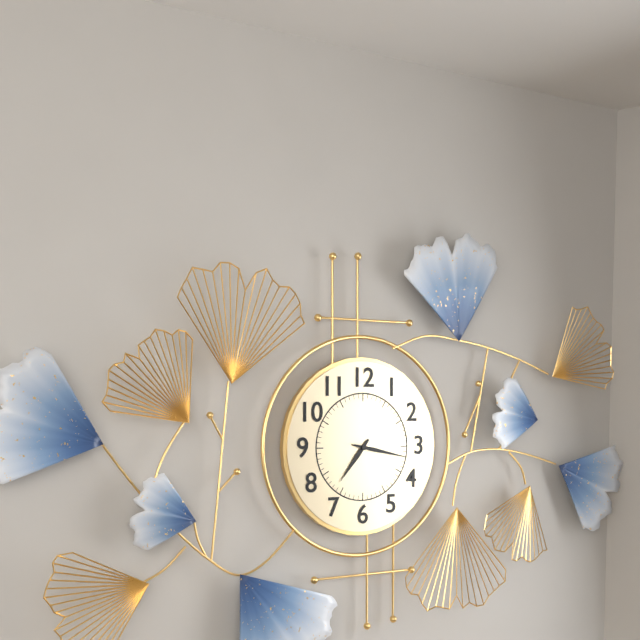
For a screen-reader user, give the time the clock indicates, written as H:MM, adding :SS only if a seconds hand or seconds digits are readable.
7:17
